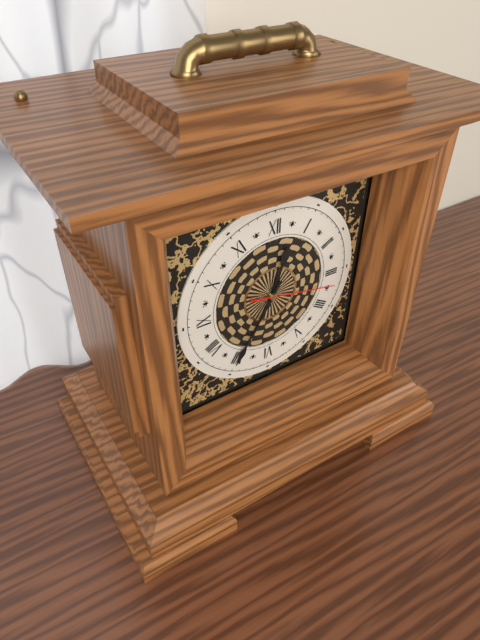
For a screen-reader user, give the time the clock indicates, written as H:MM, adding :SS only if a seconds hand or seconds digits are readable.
12:35:17
